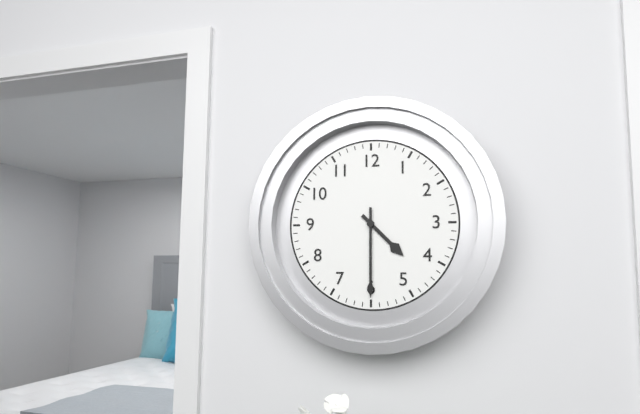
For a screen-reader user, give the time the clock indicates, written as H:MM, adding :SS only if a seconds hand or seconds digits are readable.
4:30
